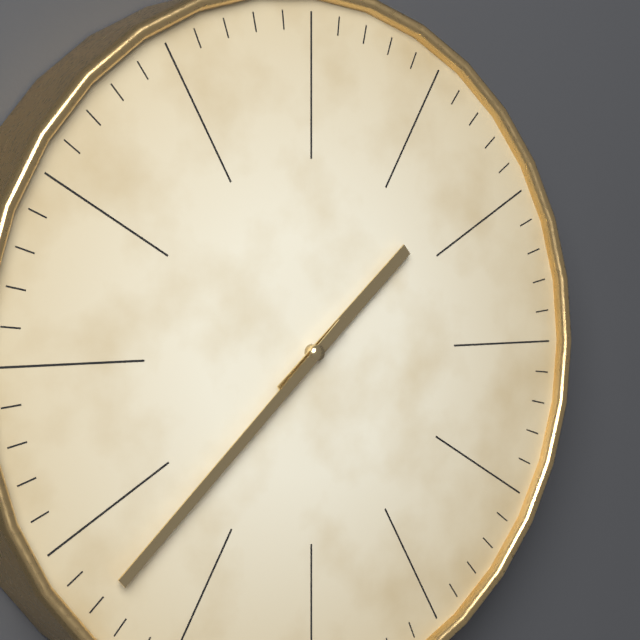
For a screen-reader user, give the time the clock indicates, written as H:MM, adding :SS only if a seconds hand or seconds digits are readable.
1:38
